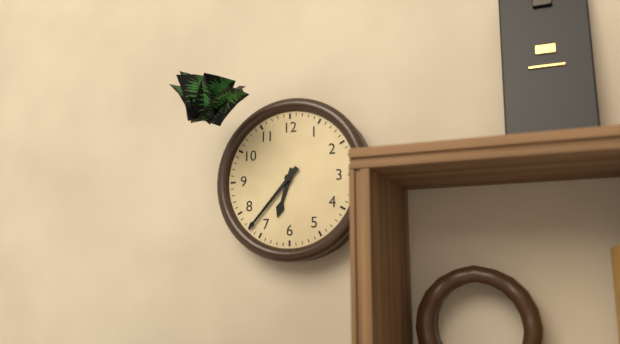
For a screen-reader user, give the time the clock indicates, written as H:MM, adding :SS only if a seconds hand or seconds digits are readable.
6:37
